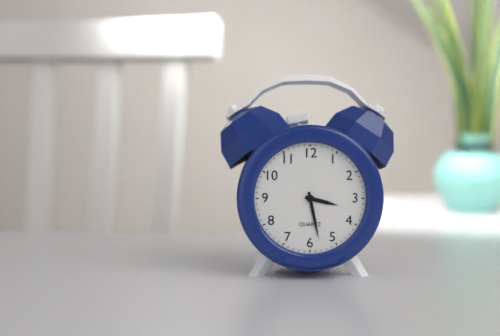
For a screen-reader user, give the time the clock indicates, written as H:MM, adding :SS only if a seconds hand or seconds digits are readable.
3:28
